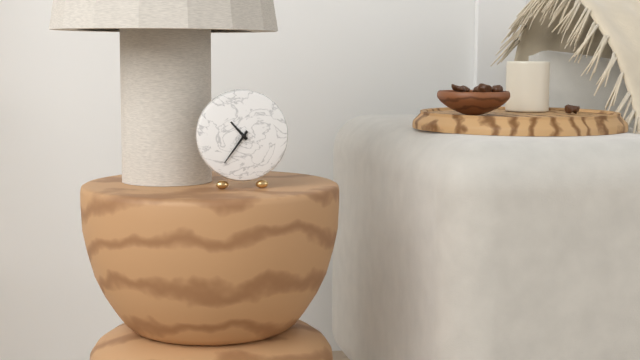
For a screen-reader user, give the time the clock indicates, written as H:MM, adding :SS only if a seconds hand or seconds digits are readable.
10:36
